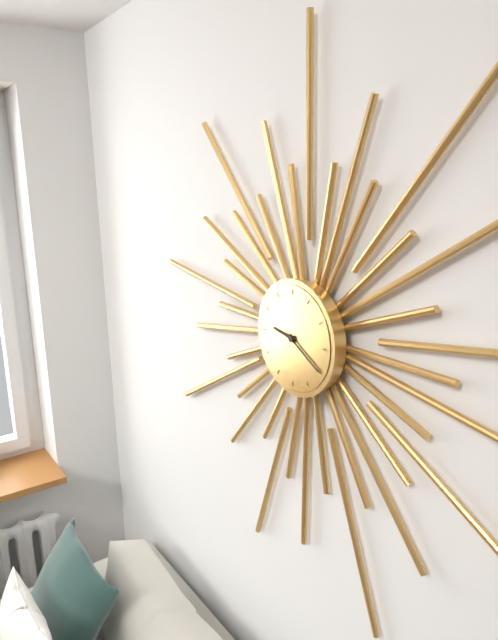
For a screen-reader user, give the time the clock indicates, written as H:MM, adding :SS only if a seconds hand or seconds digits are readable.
9:20
